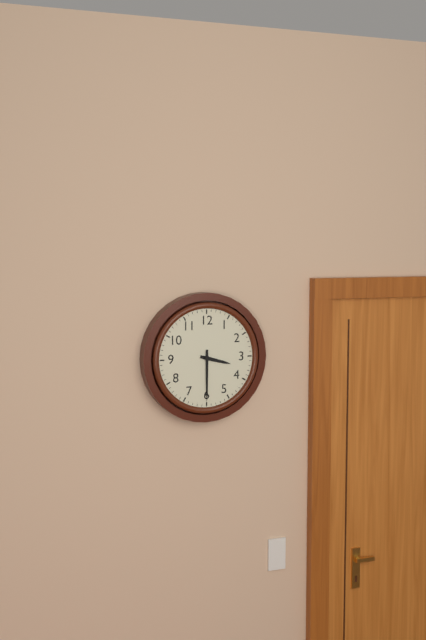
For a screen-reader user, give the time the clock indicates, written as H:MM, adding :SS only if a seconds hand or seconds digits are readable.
3:30
